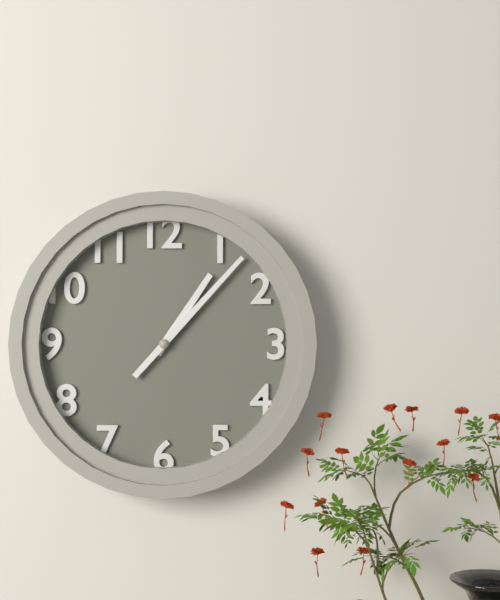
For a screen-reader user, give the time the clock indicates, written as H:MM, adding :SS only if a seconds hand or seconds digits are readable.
1:07
